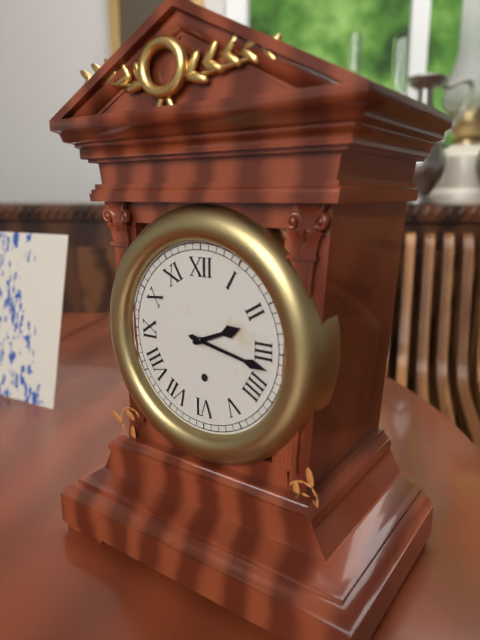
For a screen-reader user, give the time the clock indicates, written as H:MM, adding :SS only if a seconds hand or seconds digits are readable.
2:17
